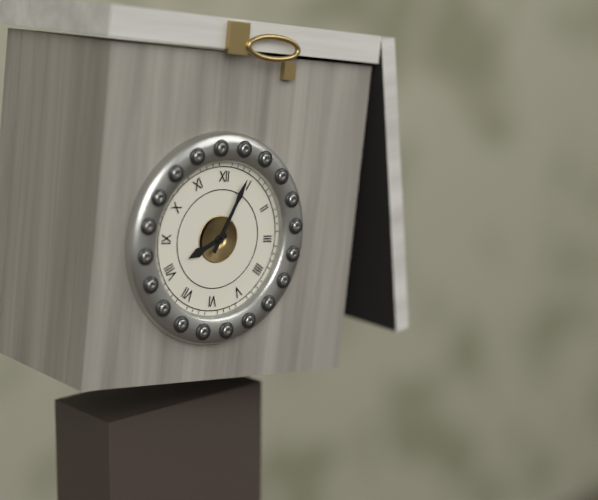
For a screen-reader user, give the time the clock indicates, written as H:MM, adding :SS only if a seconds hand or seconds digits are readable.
8:04
